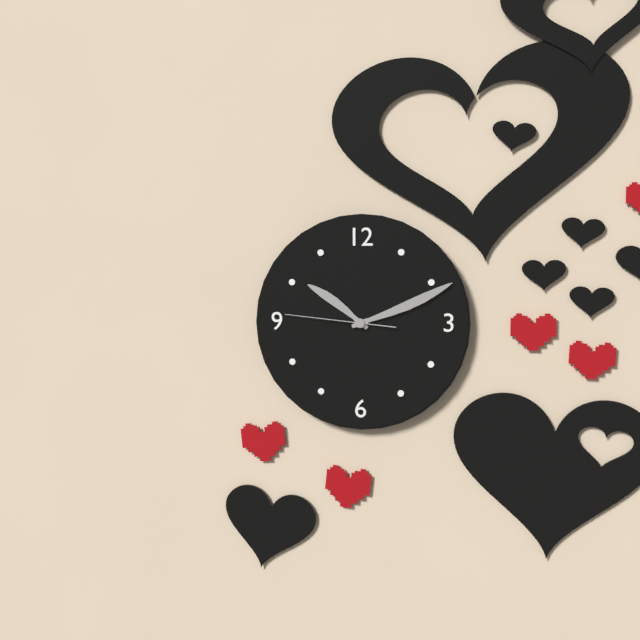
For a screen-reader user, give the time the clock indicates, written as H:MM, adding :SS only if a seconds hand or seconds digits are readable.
10:11:46
